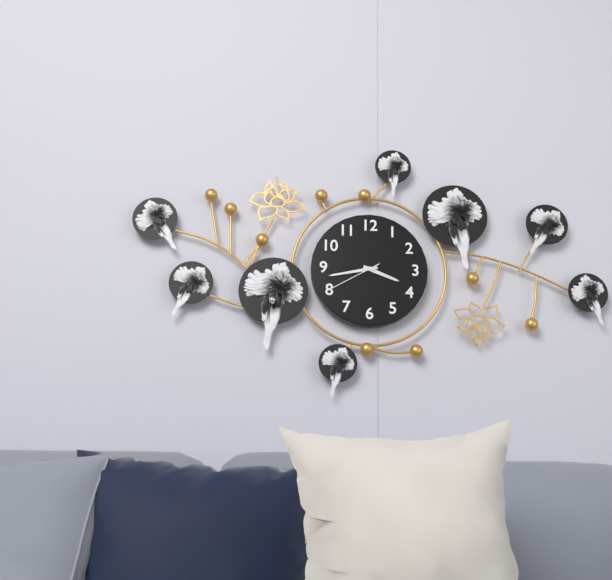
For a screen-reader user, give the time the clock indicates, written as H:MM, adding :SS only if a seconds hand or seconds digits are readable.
3:43:40
